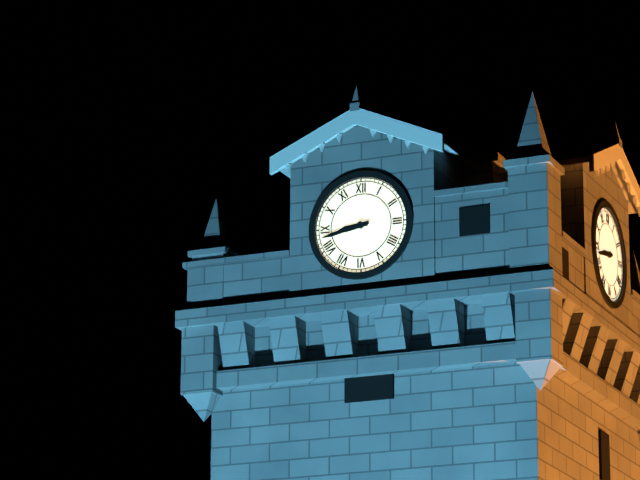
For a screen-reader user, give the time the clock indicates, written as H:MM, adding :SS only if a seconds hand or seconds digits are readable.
8:43
